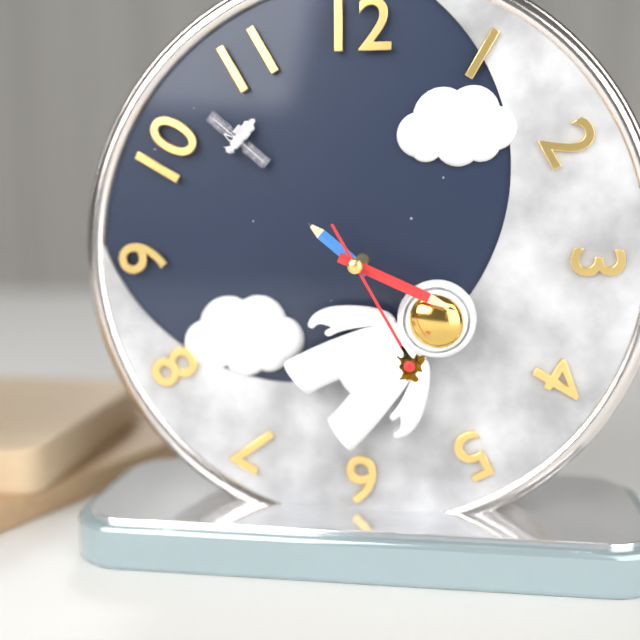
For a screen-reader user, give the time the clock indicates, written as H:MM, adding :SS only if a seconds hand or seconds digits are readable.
10:19:25
